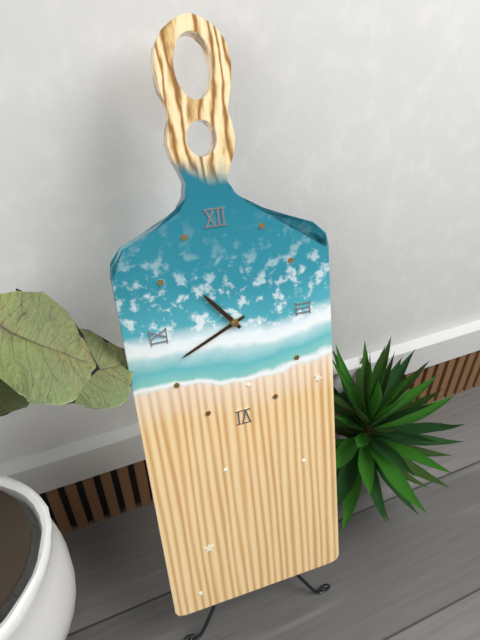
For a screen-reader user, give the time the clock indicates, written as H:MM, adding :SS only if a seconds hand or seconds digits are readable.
10:41
